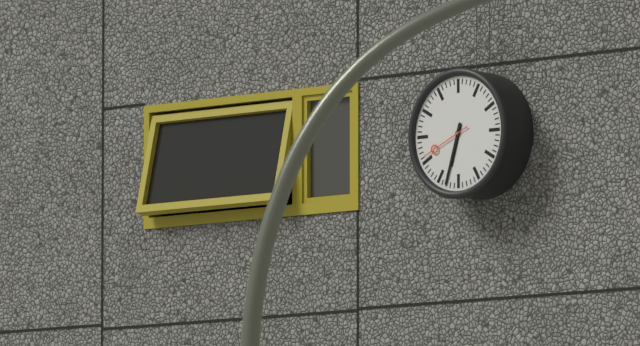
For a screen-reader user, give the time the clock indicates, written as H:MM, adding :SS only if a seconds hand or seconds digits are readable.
6:33:41
